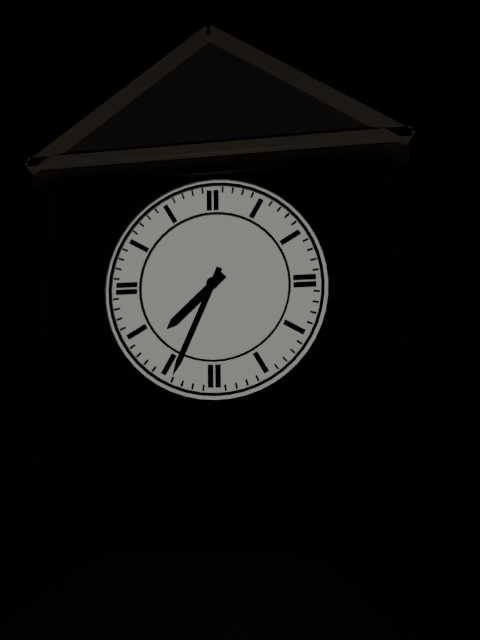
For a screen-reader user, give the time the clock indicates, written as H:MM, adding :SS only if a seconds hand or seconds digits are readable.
7:34
